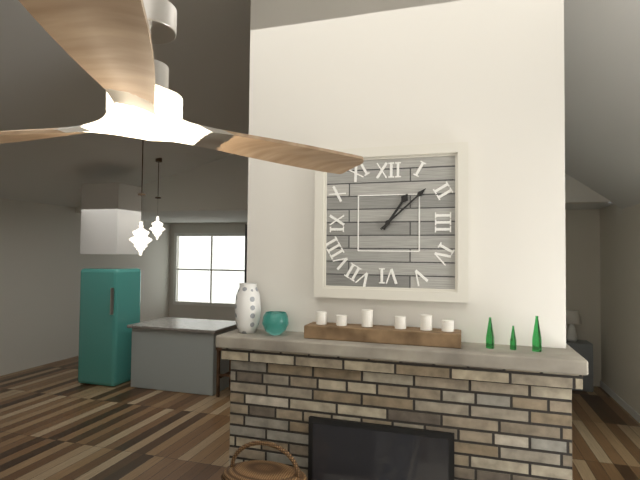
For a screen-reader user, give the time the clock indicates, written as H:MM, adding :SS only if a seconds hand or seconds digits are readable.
1:08
